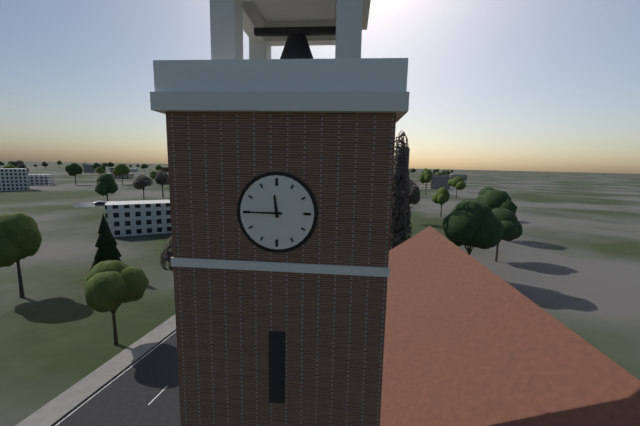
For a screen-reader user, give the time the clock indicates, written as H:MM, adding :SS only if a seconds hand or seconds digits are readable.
11:45
